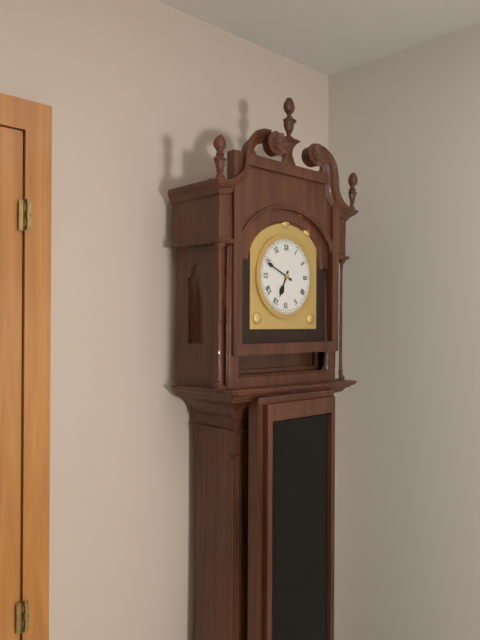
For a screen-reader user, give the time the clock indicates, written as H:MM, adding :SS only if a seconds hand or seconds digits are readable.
6:49
